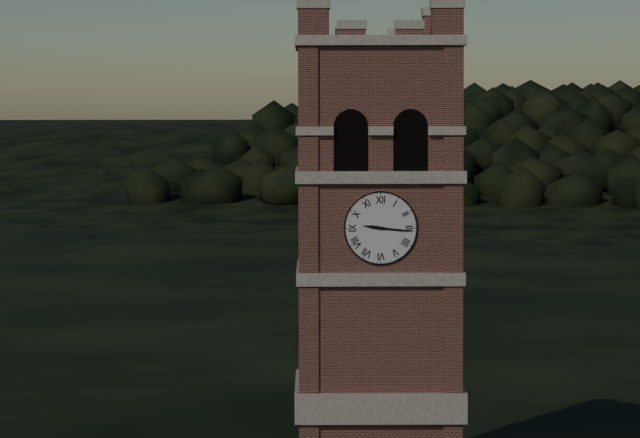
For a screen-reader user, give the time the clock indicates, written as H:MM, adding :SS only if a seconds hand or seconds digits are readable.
9:16
